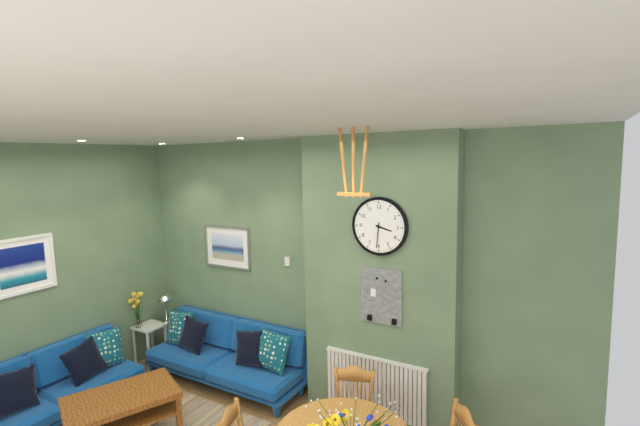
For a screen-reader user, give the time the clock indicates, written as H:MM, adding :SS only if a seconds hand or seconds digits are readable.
3:31
